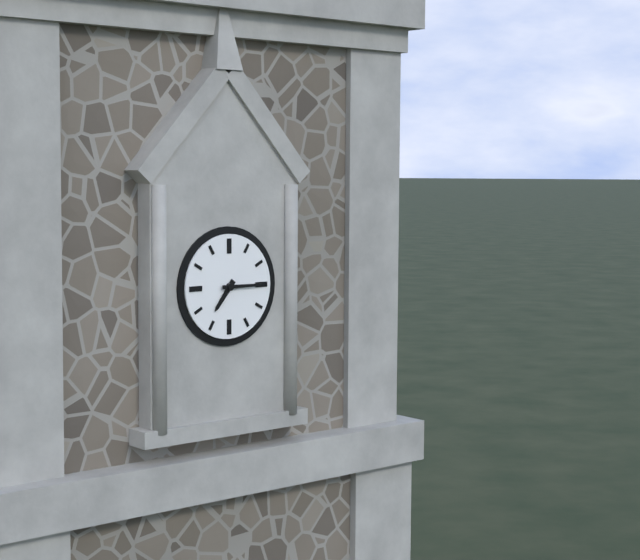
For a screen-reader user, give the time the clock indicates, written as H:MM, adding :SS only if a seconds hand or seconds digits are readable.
7:15
